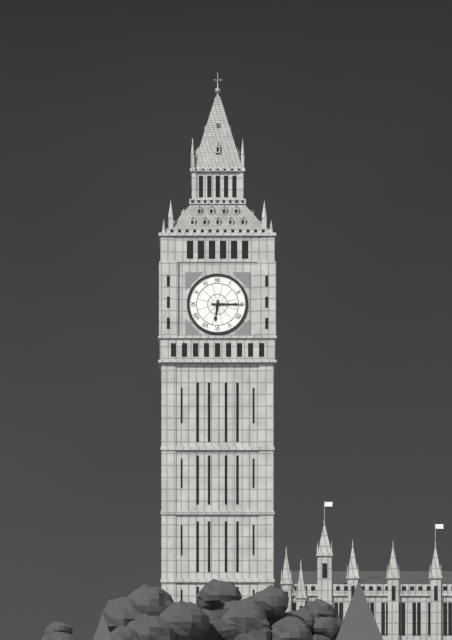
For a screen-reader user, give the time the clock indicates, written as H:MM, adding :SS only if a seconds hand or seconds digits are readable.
6:15
